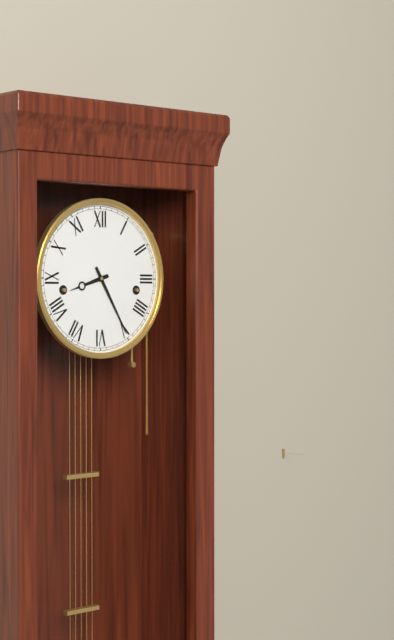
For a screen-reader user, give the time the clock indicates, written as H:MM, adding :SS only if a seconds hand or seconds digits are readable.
8:25
